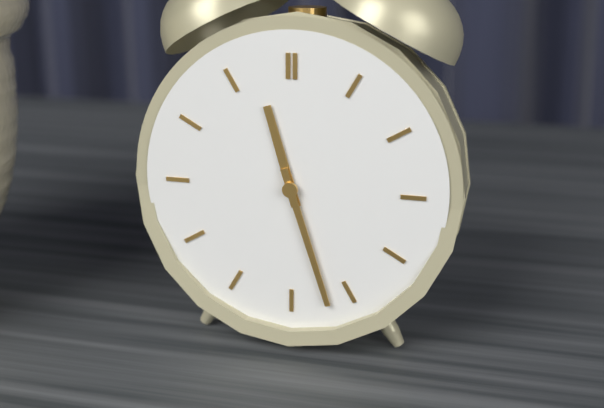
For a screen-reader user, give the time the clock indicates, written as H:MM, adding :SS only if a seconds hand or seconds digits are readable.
11:27
